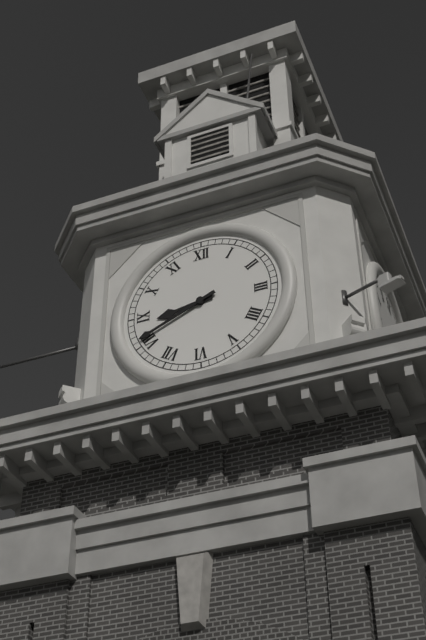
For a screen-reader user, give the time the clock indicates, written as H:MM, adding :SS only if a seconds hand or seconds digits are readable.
8:41
